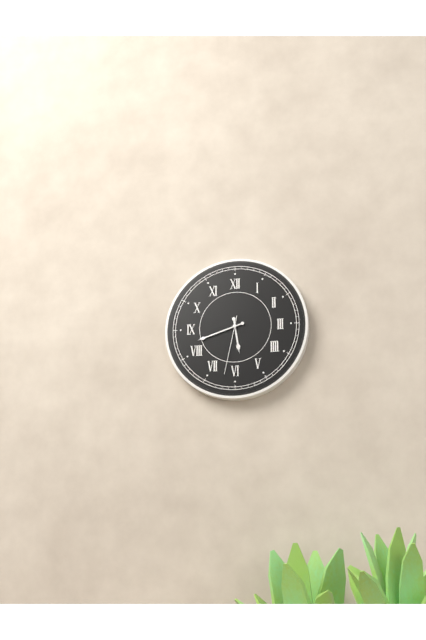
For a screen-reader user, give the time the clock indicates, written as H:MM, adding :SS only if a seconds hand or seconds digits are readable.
5:42:32
